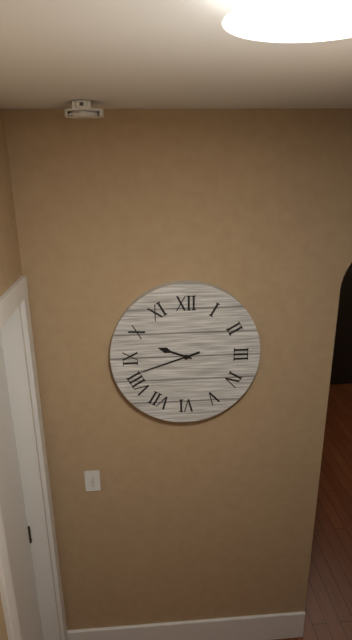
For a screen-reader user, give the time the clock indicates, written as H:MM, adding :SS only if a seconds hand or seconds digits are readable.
9:42
